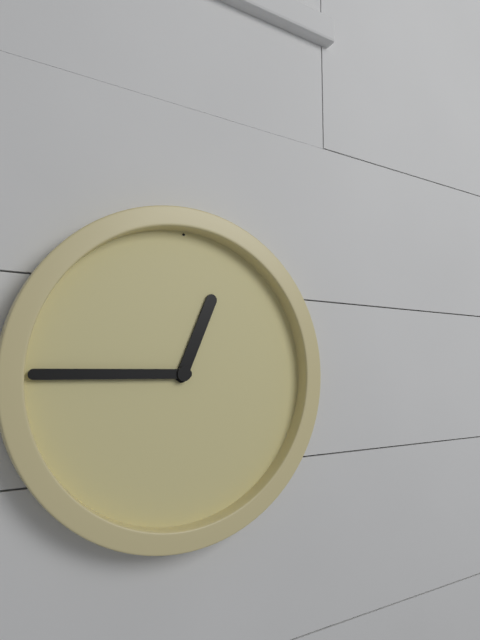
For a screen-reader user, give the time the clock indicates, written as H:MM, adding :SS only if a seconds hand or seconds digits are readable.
12:45
